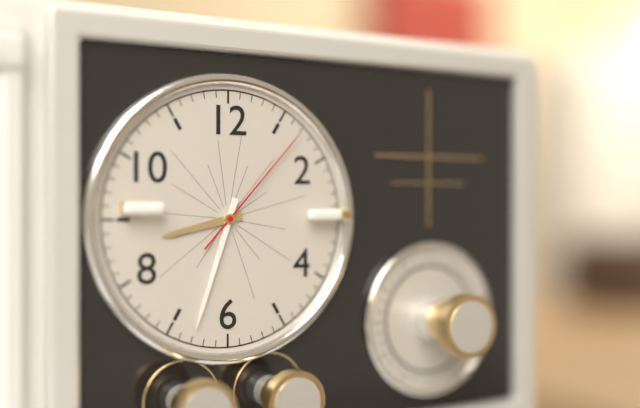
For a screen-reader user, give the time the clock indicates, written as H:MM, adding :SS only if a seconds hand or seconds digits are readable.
8:33:07
